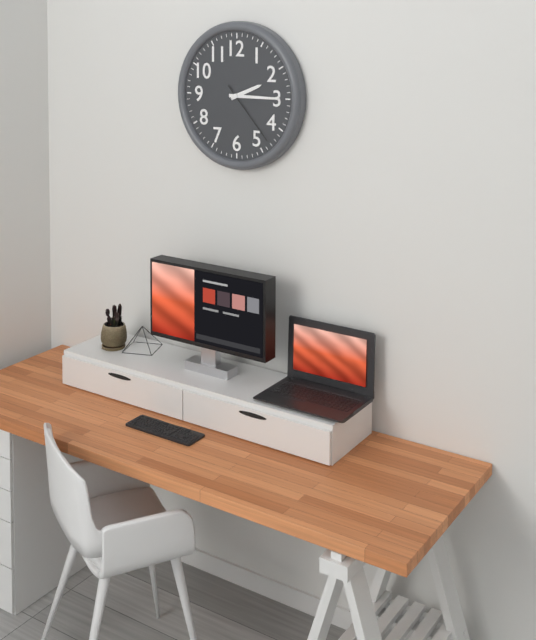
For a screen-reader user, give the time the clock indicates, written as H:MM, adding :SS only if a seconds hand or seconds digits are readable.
2:15:23
